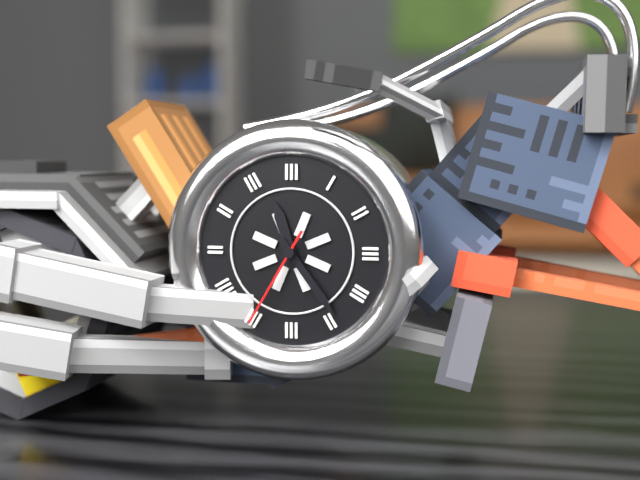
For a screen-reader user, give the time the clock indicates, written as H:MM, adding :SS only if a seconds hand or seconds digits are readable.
11:24:35
